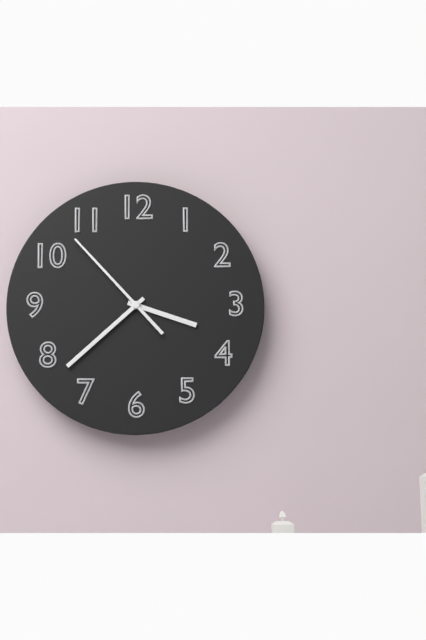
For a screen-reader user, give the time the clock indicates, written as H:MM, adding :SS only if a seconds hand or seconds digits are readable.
3:38:53
